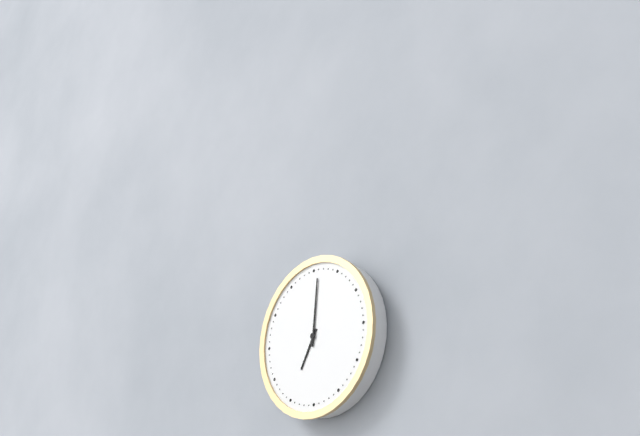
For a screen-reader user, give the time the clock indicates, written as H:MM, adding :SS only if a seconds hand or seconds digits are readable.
7:01
